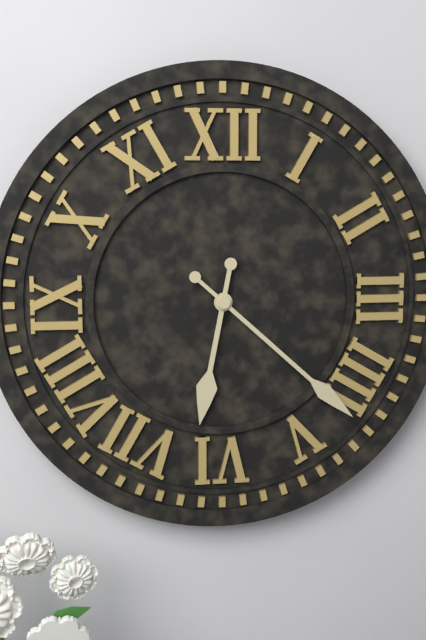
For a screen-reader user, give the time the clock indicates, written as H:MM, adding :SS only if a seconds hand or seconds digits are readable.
6:22
